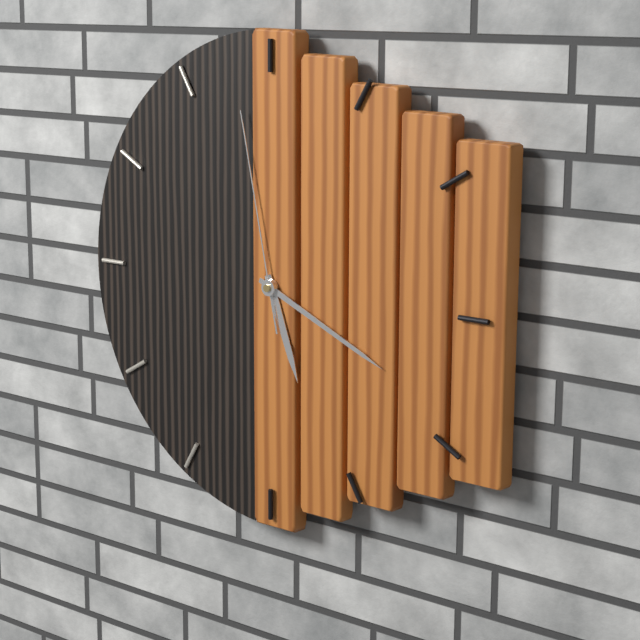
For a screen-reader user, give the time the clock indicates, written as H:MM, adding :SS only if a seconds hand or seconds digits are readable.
5:19:58
